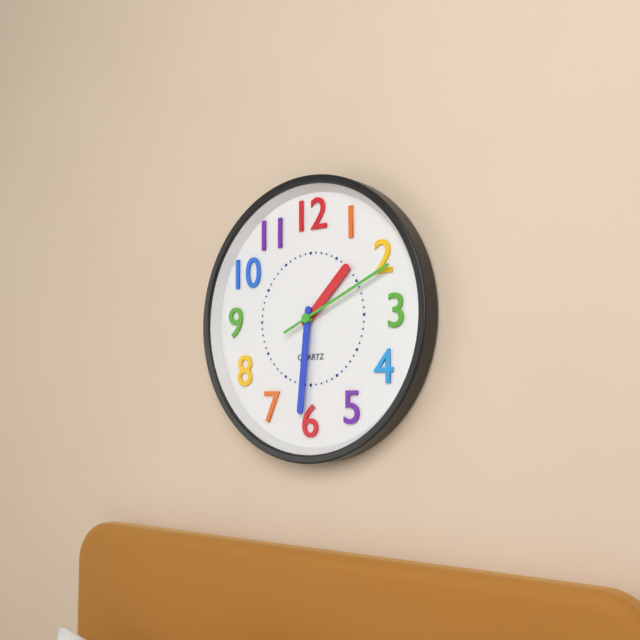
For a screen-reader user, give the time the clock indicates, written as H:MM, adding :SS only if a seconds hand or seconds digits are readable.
1:31:11
